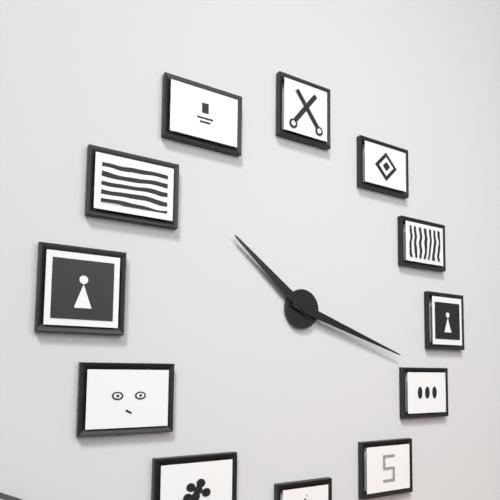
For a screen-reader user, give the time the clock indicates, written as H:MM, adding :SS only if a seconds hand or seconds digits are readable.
10:18
